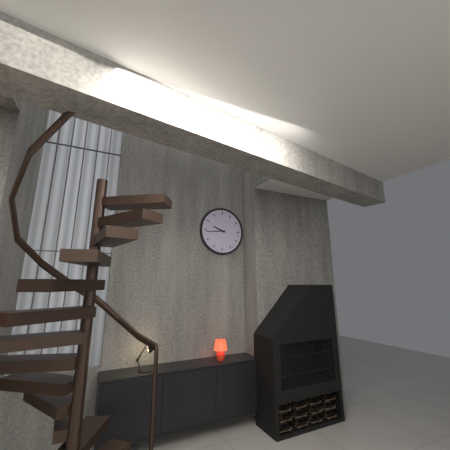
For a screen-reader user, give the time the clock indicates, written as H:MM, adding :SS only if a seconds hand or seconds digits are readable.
9:44
